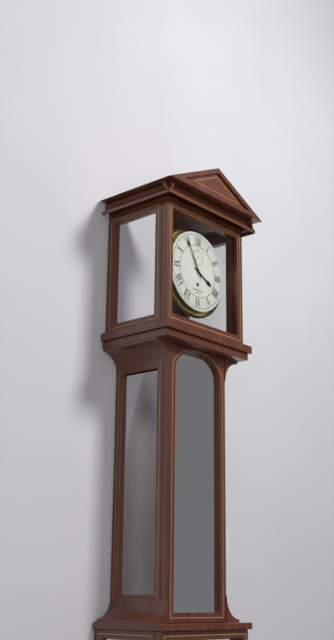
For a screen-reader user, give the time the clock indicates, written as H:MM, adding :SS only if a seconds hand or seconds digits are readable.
3:55
